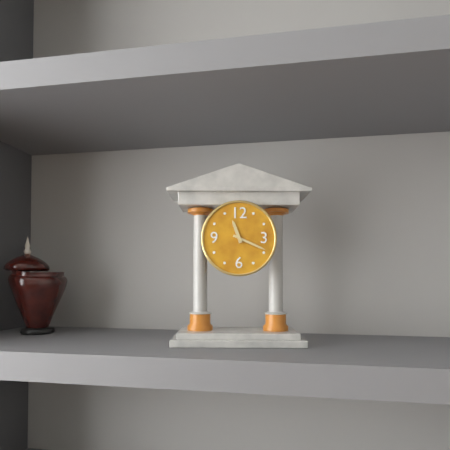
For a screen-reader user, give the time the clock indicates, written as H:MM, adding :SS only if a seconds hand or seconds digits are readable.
11:19
